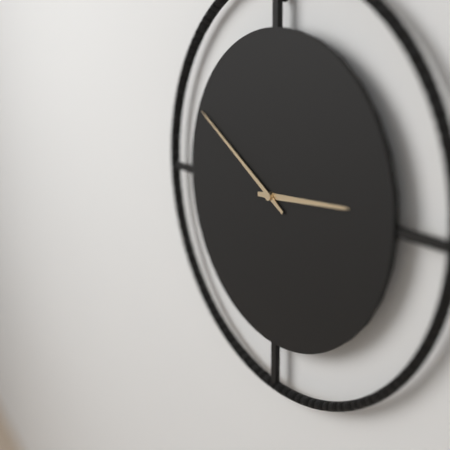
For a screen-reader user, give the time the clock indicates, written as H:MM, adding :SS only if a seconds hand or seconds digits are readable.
2:50
